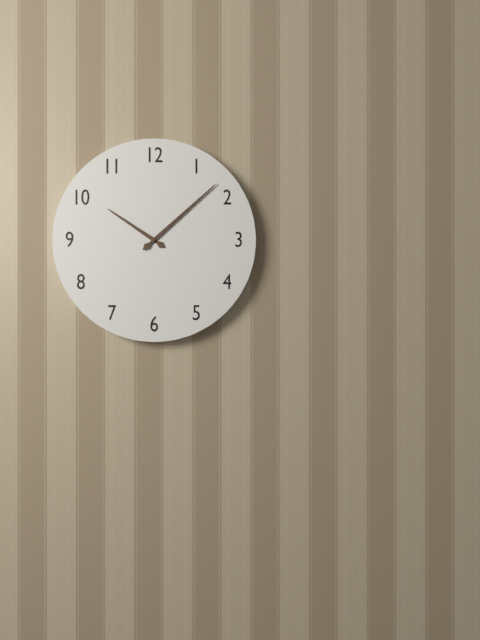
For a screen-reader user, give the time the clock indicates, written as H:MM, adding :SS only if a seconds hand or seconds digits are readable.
10:08
